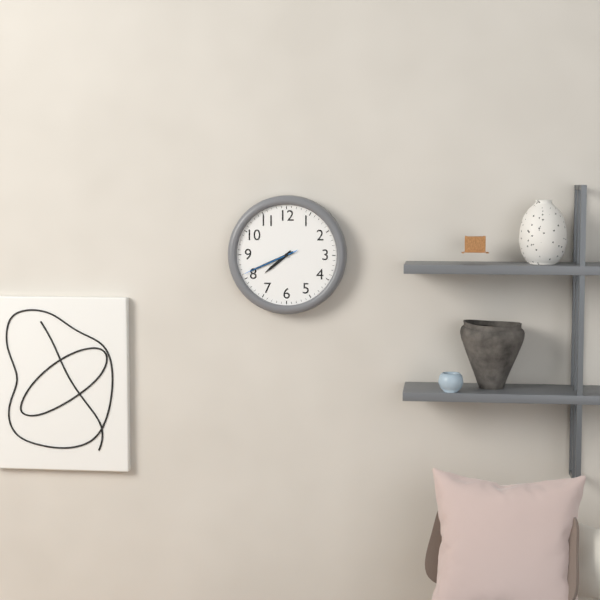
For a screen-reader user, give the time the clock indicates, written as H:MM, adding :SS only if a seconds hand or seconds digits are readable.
7:41:41
